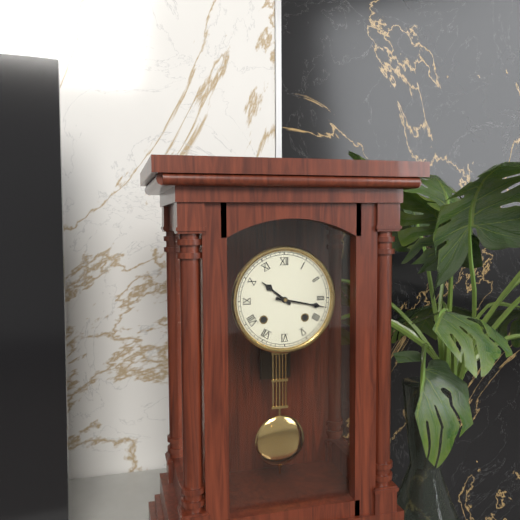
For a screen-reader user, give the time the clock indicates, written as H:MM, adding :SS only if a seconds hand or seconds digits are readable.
10:17
